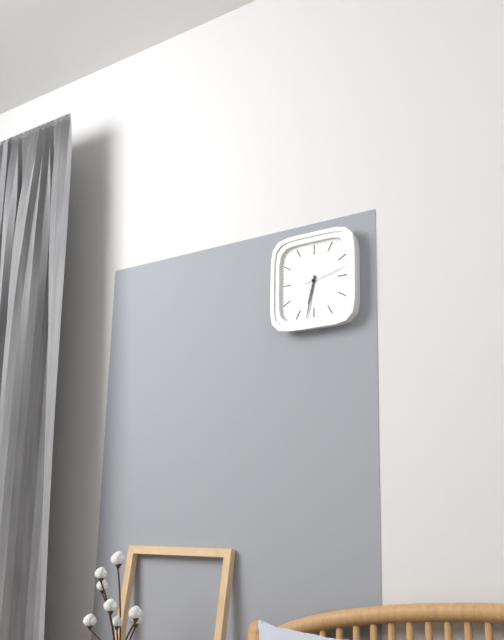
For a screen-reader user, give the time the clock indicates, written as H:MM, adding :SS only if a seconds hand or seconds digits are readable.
6:32
